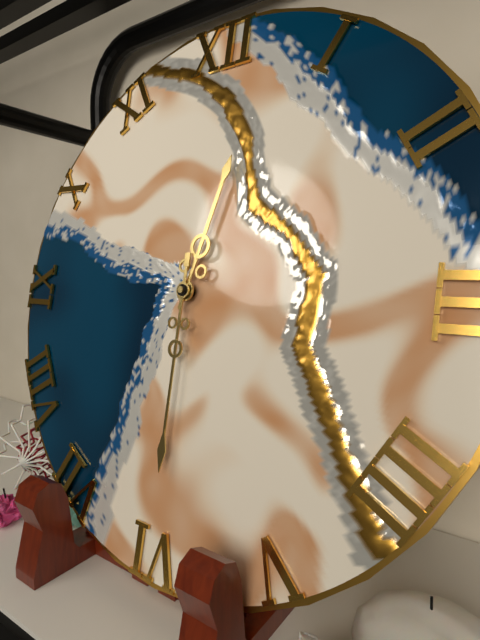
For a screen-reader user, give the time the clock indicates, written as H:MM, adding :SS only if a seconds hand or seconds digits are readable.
12:30
